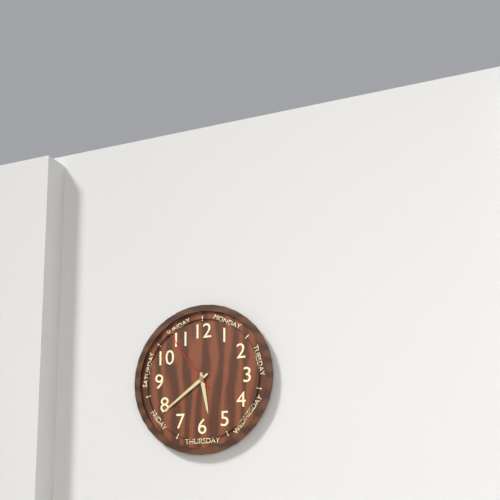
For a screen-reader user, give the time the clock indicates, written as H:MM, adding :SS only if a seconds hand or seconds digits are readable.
5:39:54
